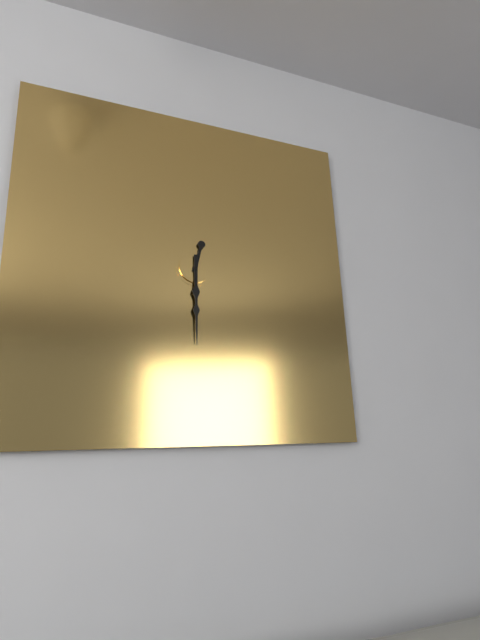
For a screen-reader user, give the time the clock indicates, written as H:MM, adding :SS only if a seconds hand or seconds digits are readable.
12:30
